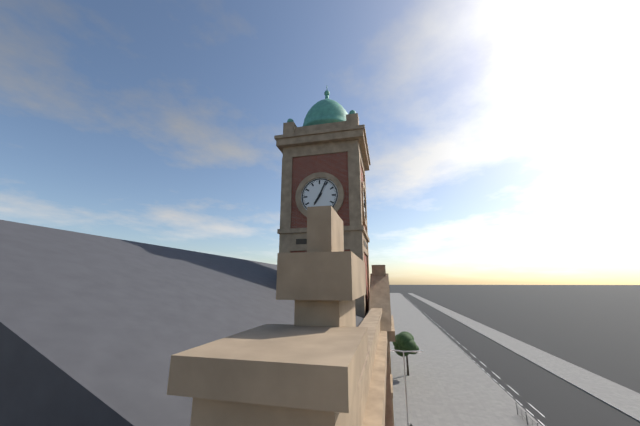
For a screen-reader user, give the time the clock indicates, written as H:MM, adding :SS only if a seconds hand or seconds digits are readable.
7:04
